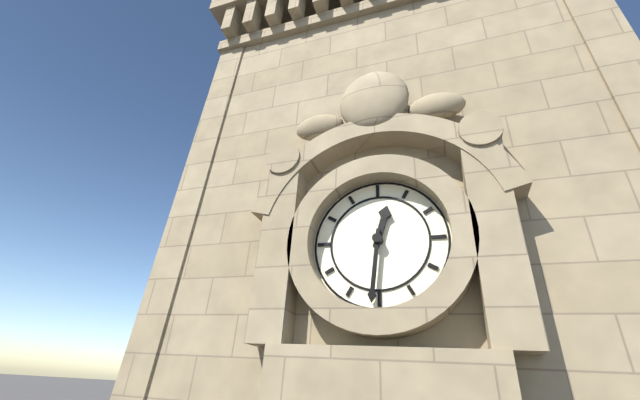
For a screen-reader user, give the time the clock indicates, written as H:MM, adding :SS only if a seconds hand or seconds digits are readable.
12:31
